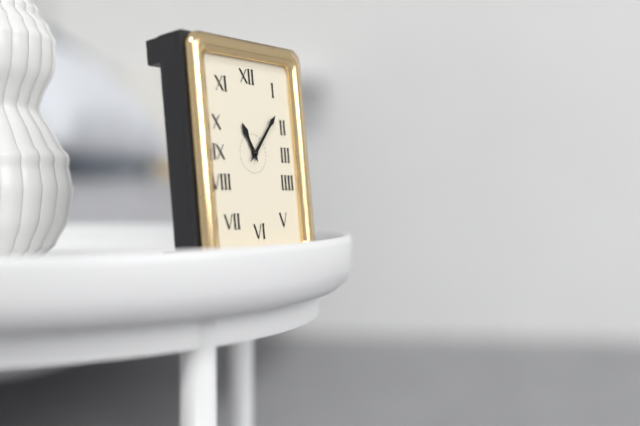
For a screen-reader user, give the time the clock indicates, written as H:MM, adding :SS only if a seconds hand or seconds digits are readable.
11:07
